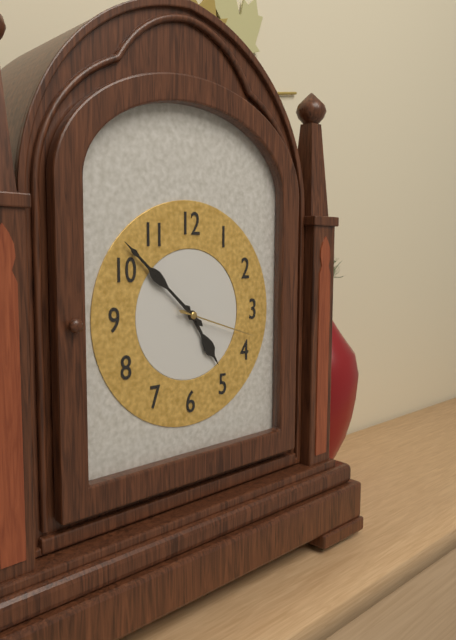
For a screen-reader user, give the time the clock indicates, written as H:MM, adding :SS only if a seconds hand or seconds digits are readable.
4:52:18
